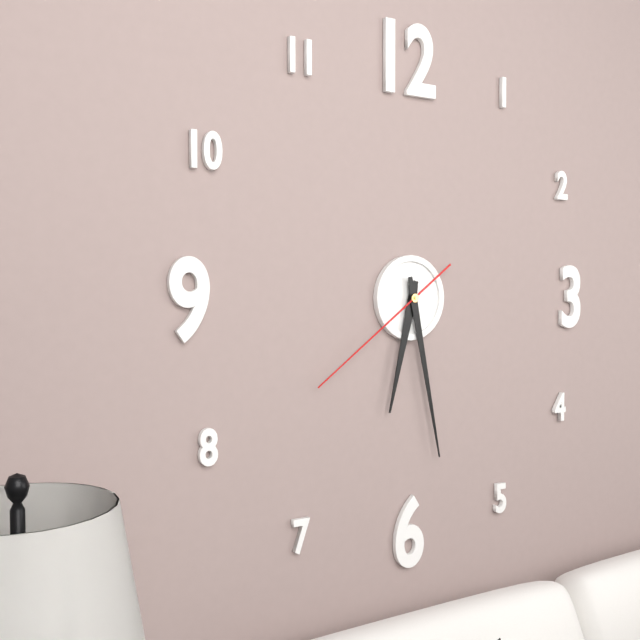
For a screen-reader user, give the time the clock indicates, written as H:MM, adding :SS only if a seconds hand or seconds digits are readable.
6:28:39
